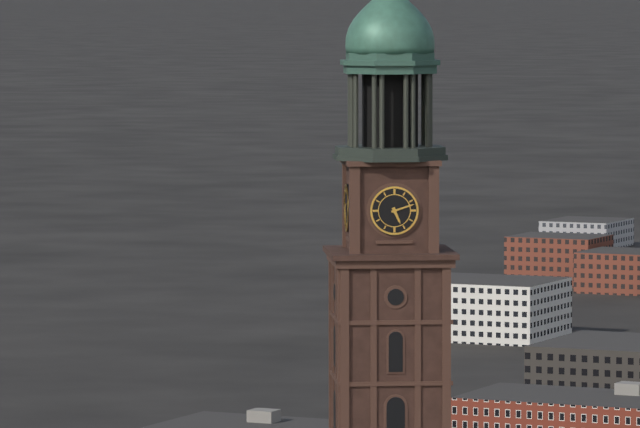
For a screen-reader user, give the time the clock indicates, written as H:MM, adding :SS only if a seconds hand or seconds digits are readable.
5:12
